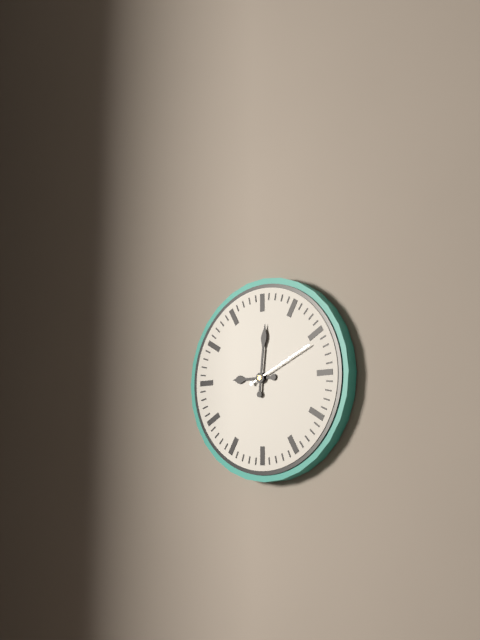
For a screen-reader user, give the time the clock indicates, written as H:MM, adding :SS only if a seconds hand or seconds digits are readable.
9:01:11
